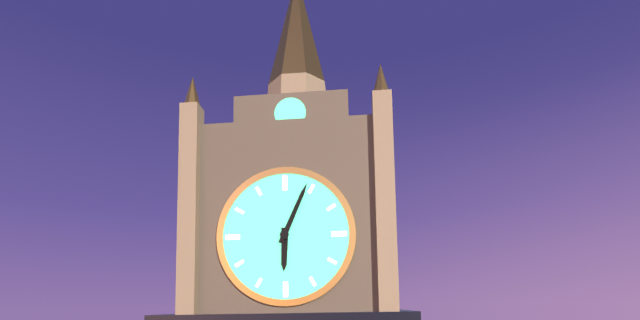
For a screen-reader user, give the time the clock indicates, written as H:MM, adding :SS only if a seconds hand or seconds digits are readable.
6:04
